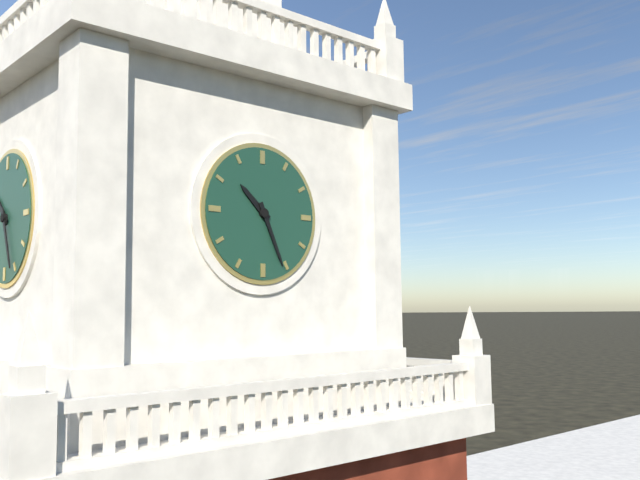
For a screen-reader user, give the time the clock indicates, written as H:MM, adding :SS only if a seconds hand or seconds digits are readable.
10:26
